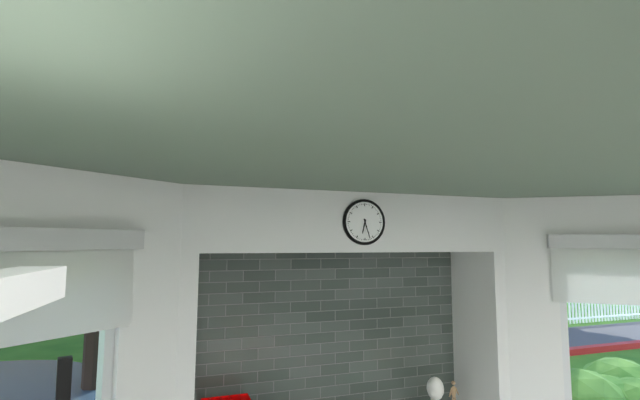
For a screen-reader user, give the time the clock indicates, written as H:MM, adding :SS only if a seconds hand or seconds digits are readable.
6:27
